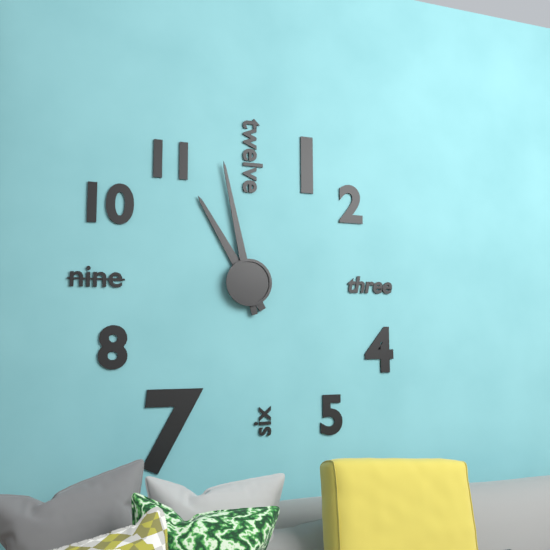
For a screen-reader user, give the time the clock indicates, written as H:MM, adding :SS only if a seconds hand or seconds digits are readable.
10:58
